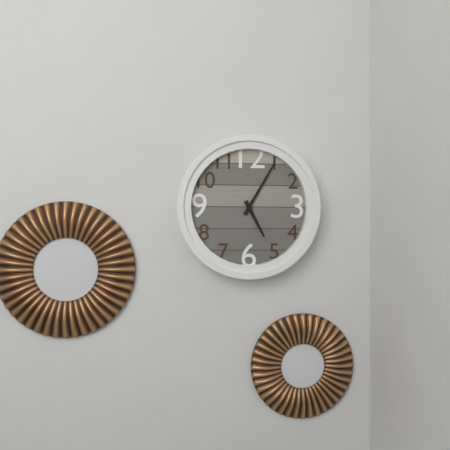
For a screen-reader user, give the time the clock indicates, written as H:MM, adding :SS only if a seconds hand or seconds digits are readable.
5:05
